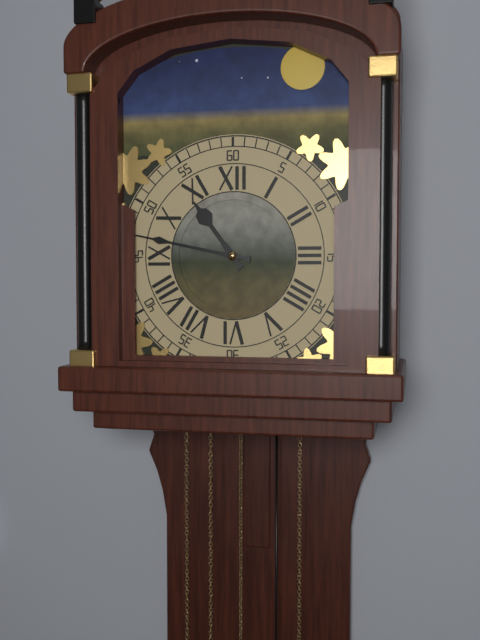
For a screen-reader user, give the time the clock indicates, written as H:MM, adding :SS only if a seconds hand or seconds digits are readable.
10:47
